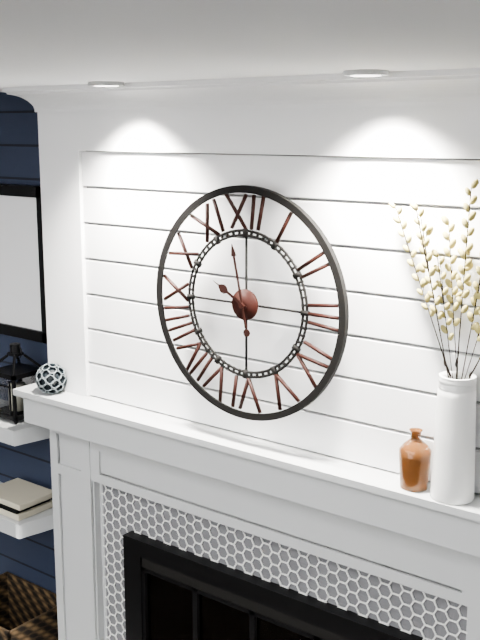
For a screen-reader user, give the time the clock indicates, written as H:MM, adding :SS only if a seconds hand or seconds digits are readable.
9:58
